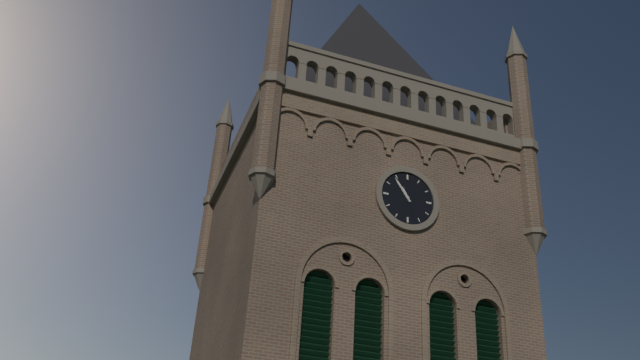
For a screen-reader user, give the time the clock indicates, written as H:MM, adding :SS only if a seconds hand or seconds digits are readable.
10:54
